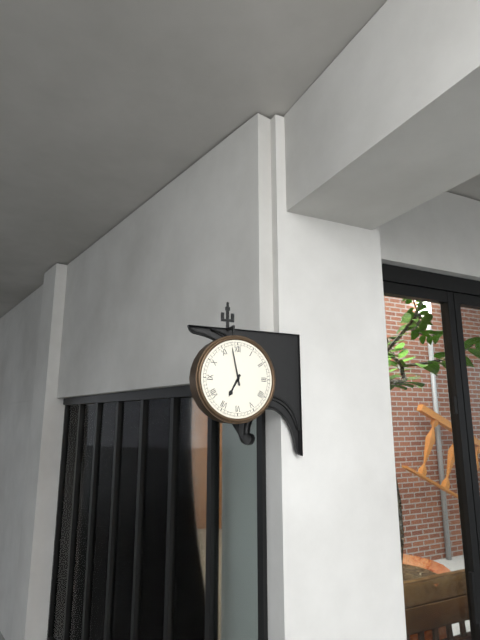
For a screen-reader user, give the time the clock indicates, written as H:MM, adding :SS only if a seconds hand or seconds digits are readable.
6:58
